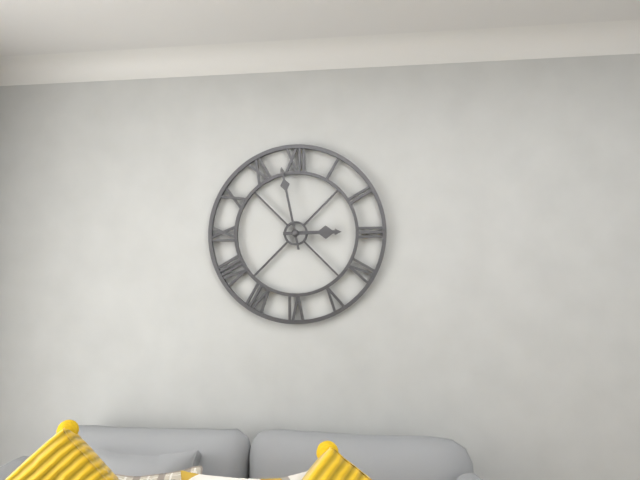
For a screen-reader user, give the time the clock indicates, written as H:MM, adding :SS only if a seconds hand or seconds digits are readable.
2:58
